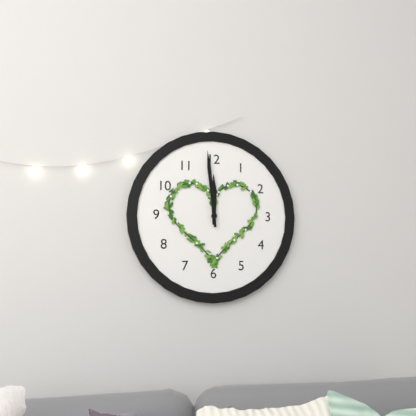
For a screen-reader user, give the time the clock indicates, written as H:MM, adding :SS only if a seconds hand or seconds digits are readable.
11:59
